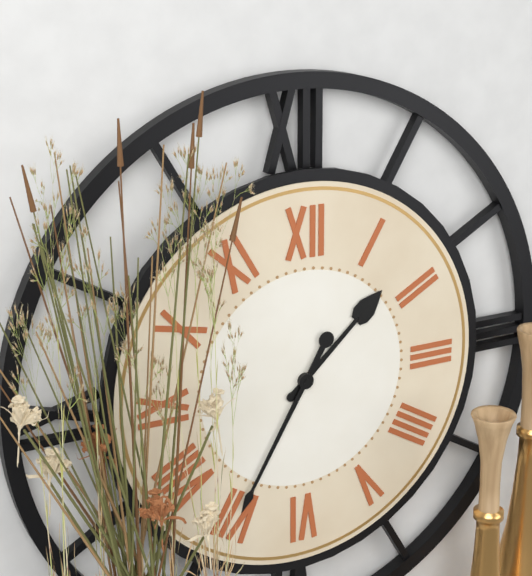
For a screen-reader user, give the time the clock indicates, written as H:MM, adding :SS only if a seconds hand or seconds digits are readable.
1:35
